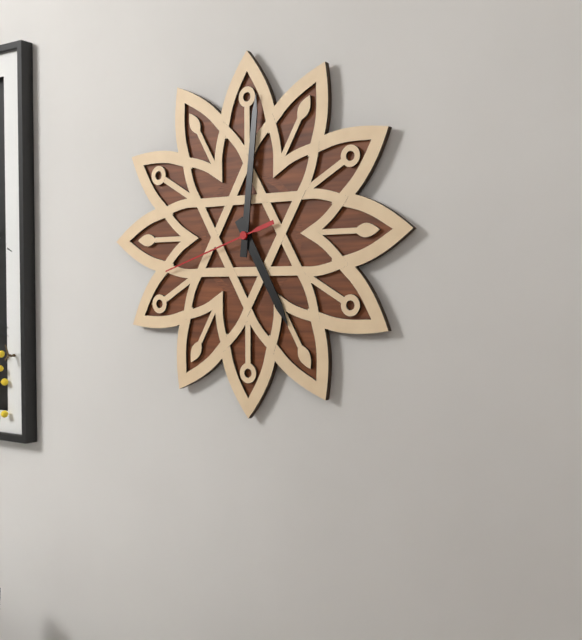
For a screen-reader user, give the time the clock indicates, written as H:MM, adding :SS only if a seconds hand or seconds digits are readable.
5:01:42
